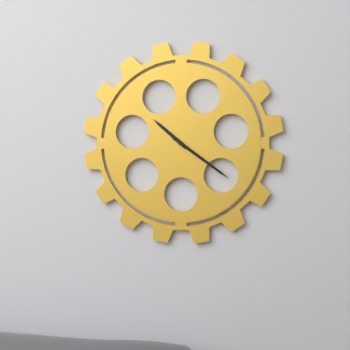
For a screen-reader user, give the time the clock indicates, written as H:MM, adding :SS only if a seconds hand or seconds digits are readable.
10:21
